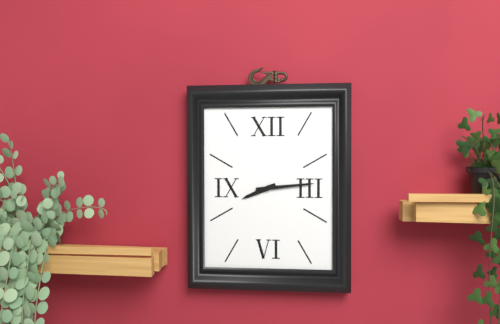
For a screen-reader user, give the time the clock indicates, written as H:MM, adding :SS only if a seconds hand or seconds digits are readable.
8:14
